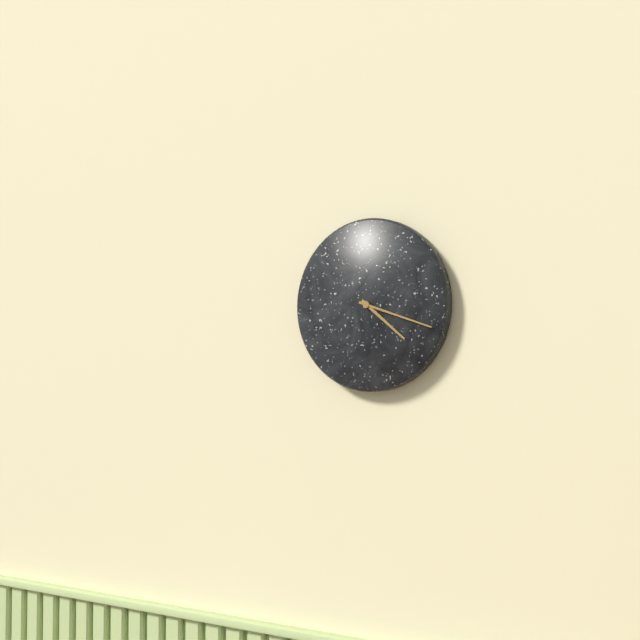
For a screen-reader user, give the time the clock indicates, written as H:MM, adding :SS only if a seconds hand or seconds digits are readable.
4:18
